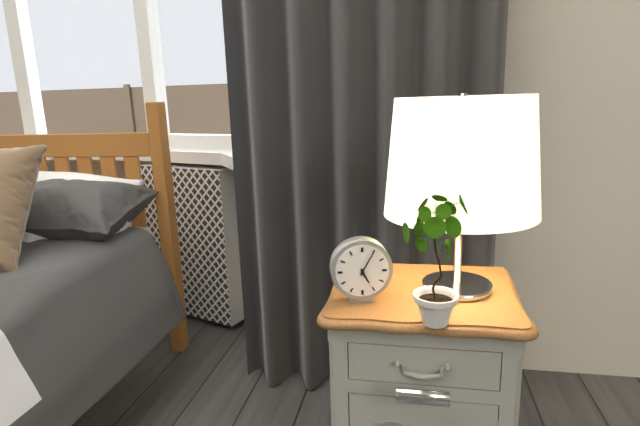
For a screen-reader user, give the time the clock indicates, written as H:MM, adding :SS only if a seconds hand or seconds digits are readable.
5:05
